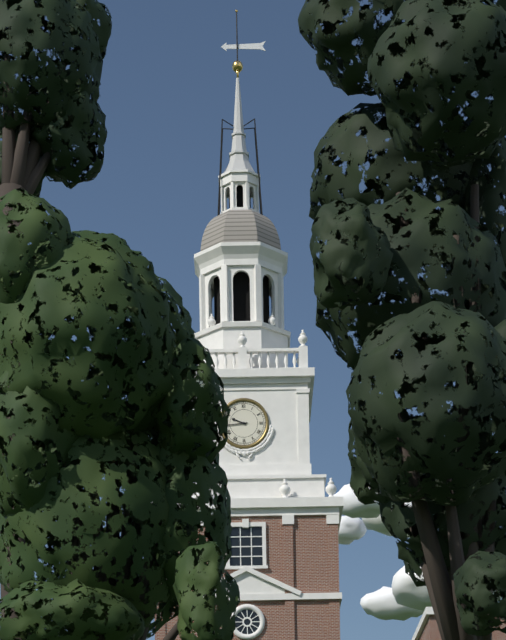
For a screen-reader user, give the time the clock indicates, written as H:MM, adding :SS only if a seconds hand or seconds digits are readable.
9:44
